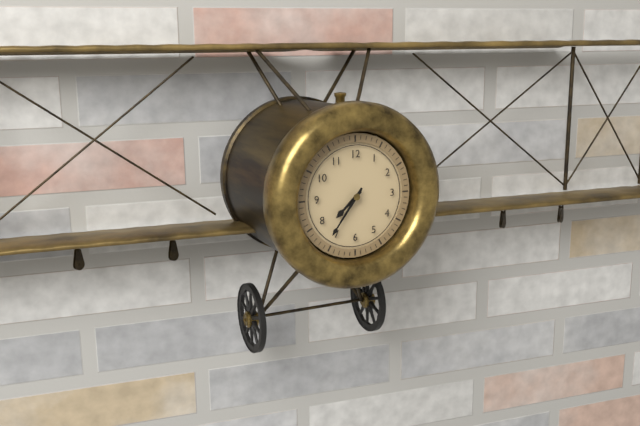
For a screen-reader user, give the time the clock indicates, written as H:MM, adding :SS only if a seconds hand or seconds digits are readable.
7:36
